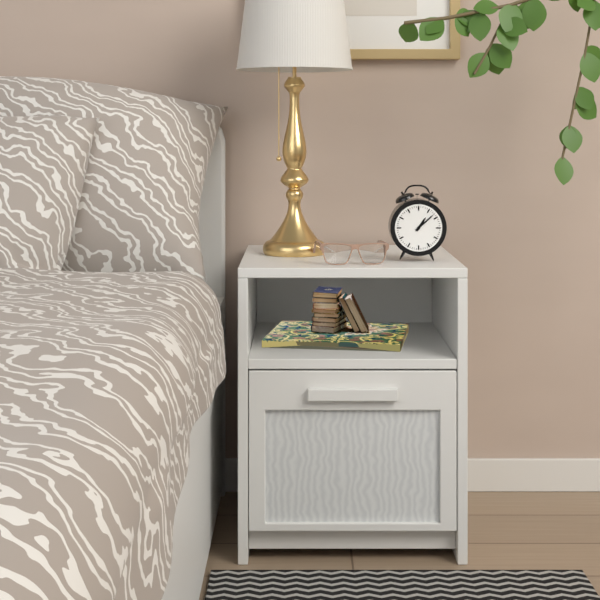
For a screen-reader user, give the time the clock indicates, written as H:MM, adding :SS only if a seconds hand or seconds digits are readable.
1:08
